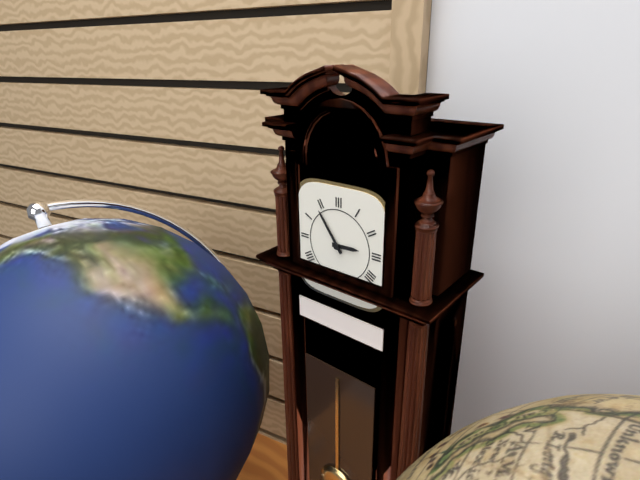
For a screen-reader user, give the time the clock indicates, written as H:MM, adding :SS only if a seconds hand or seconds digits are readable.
2:54
